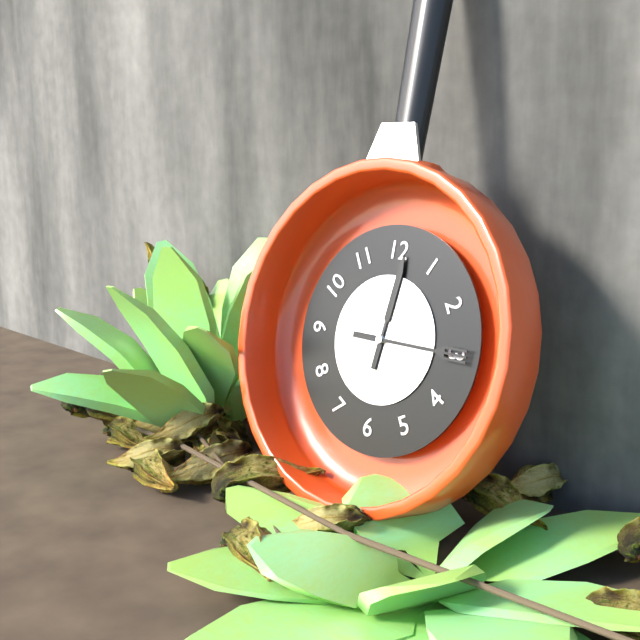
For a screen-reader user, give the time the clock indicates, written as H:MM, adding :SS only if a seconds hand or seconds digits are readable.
12:15
